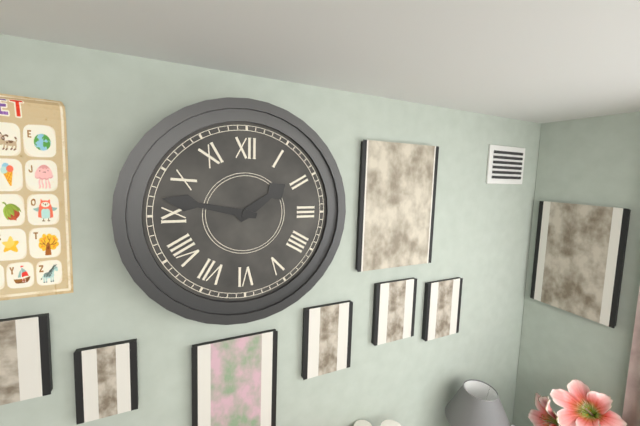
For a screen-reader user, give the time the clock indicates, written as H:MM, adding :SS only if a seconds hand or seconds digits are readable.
1:47
